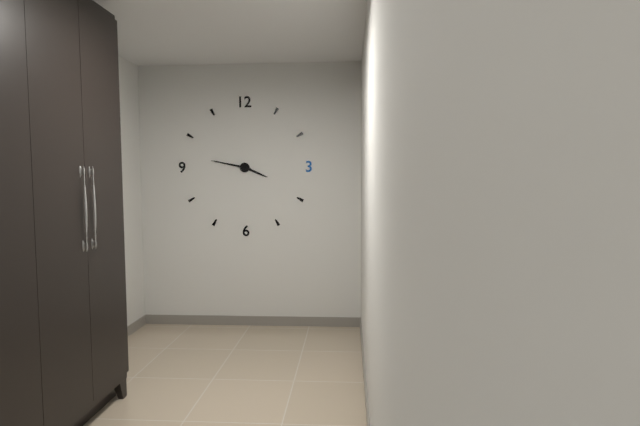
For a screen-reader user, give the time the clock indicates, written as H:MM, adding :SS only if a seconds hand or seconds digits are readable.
3:47
